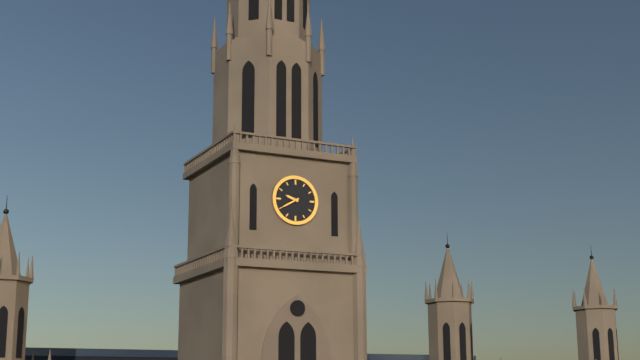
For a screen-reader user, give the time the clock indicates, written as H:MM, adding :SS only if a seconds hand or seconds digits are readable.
9:40
